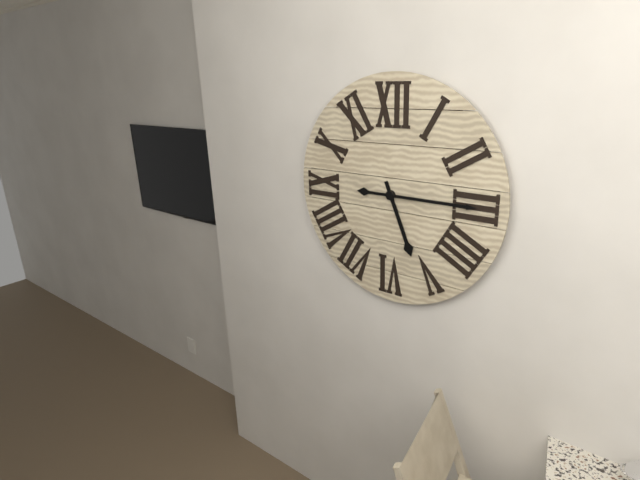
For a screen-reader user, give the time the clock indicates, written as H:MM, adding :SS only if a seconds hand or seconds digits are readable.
5:15
